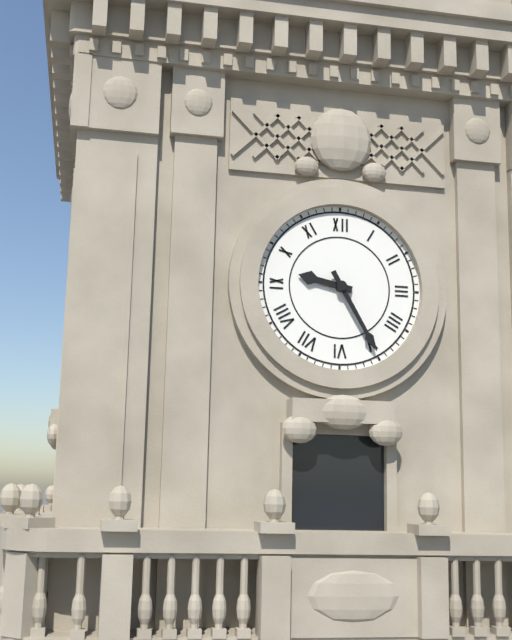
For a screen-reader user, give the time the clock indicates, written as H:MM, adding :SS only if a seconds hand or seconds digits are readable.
9:25
